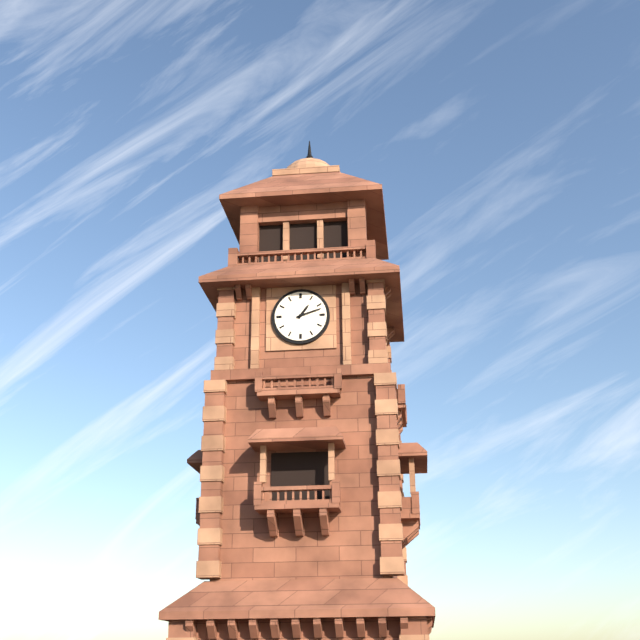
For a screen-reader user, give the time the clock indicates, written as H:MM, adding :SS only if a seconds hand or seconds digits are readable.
1:12
